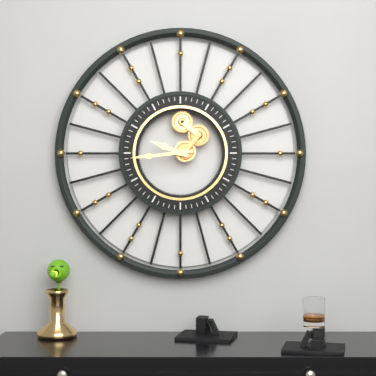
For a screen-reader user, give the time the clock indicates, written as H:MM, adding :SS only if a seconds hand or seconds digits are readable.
9:44
